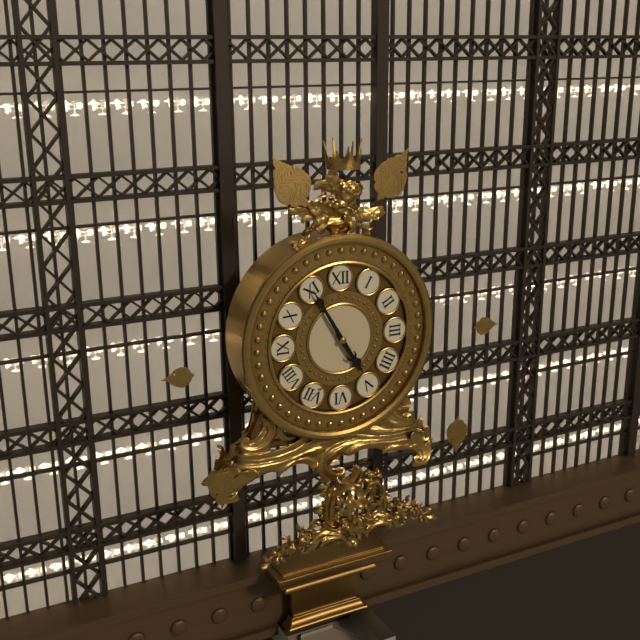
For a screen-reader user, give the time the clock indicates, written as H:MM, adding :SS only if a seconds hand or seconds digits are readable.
4:55
